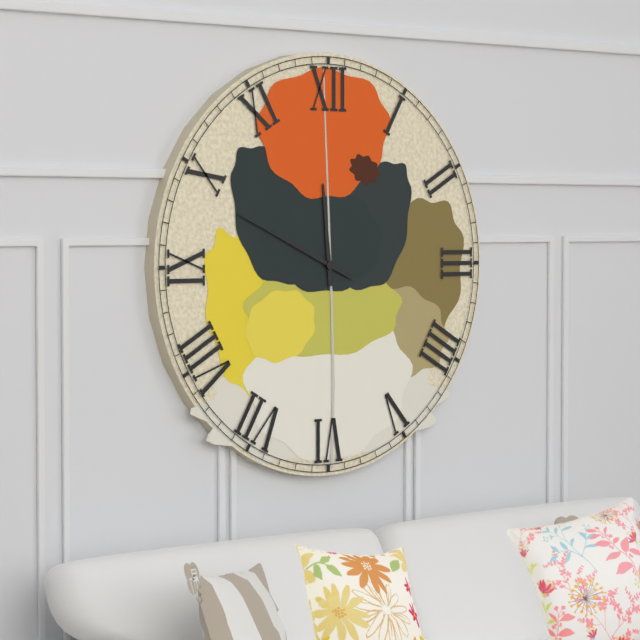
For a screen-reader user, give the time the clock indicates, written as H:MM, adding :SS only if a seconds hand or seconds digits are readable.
11:49
